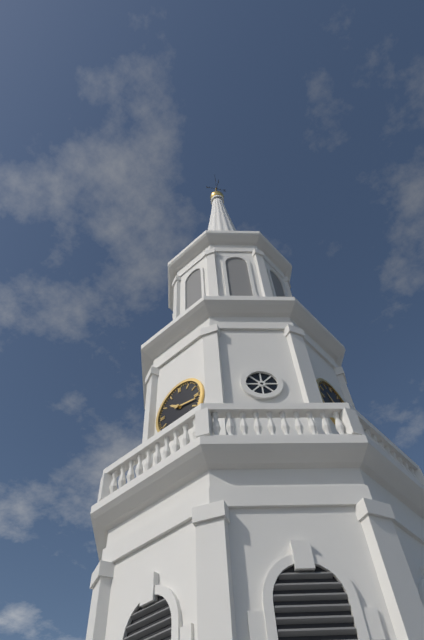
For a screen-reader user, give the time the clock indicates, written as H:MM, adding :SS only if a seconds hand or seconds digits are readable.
10:17
